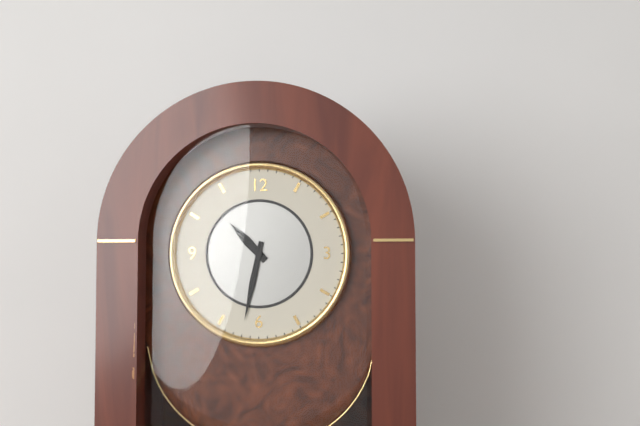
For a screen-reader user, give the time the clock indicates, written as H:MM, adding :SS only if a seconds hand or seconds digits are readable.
10:32
